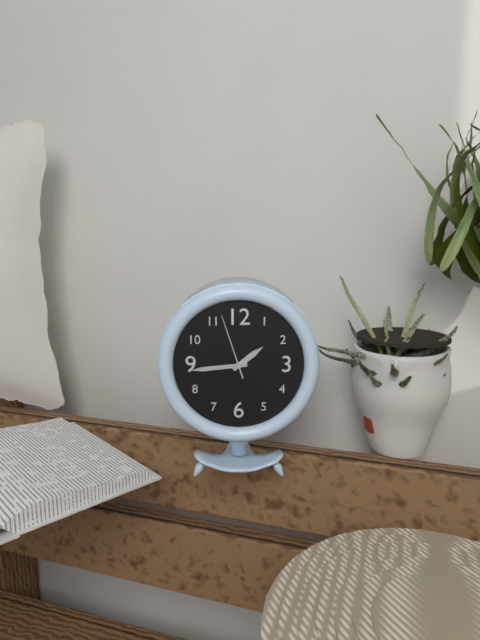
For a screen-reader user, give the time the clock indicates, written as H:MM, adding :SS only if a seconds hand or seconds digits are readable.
1:44:57
